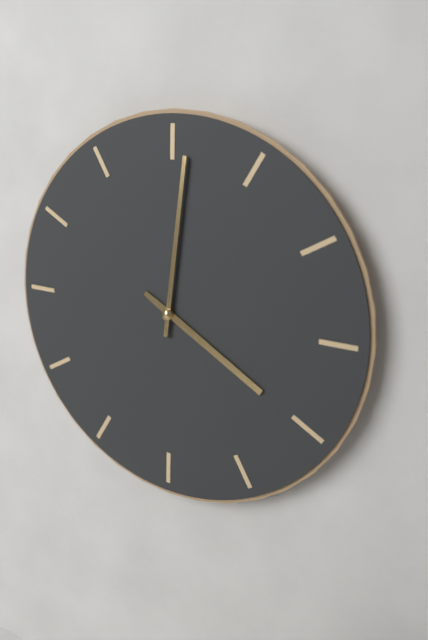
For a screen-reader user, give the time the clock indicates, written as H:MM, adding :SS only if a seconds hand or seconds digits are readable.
4:01
